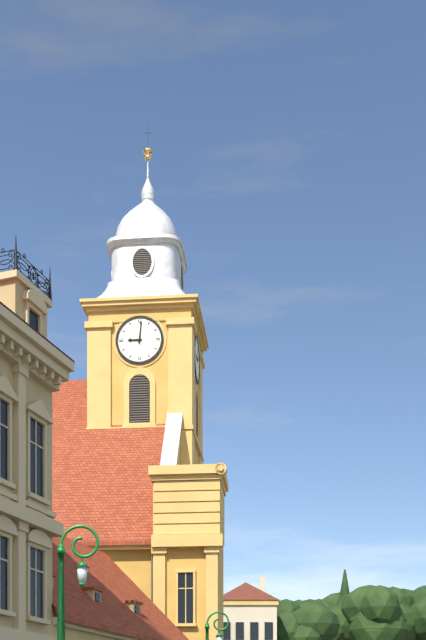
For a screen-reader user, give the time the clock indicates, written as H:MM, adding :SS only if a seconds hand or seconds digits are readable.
9:01
